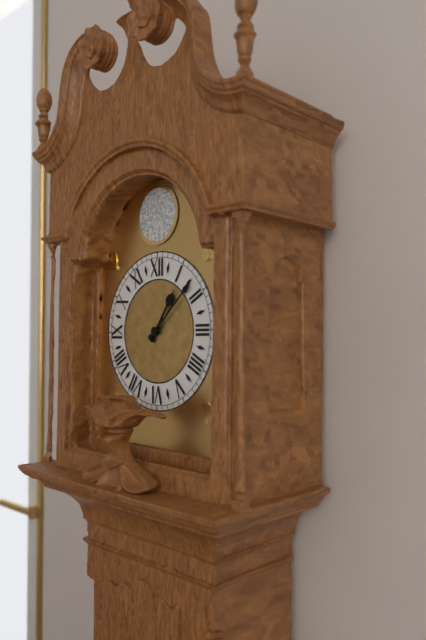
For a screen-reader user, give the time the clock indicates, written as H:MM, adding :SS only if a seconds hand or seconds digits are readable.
1:08
